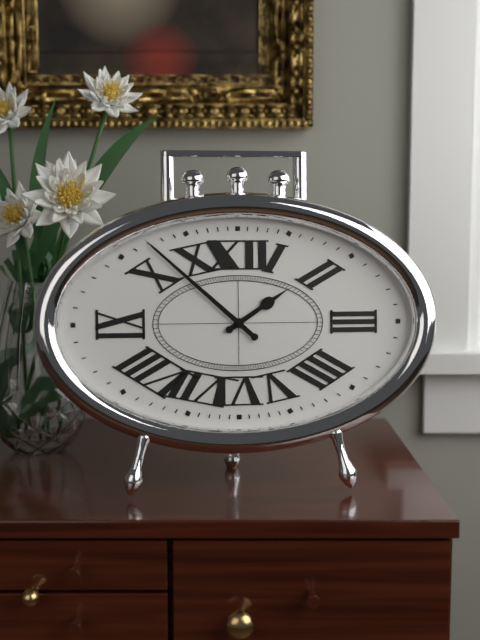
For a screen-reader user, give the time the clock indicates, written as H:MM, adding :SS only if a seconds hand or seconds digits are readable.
1:52
